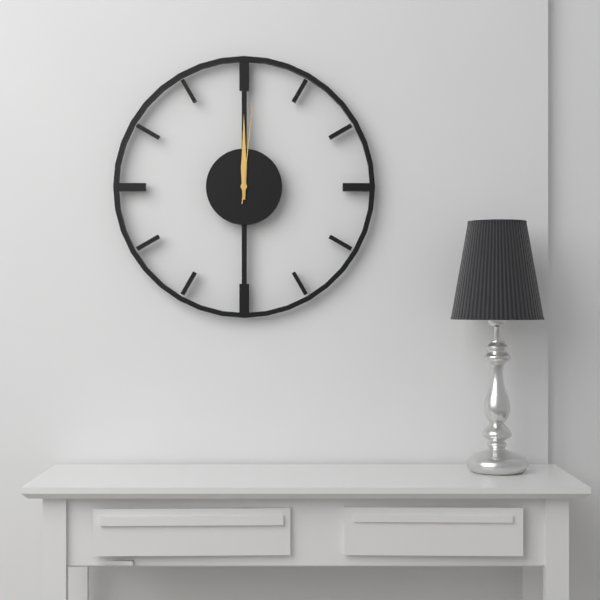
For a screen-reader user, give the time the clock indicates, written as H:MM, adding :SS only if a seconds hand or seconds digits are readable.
12:00:01
